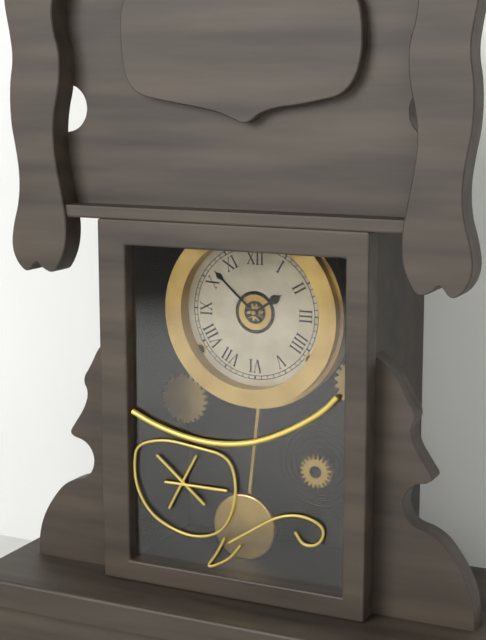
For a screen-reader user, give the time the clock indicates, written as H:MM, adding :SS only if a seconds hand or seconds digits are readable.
1:52
